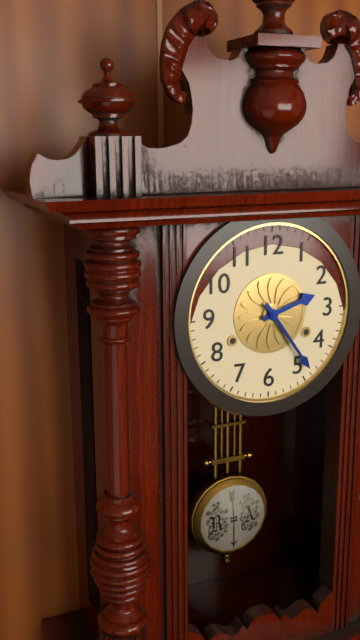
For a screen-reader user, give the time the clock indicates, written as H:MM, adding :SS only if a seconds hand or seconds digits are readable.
2:24
